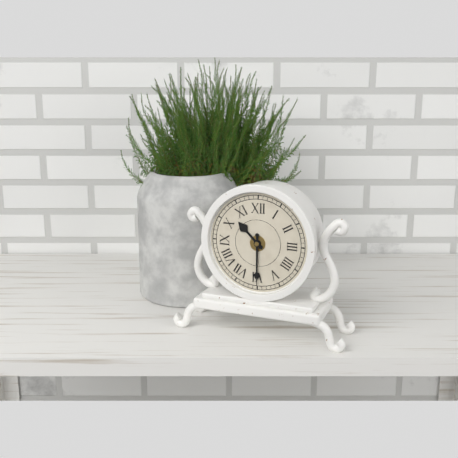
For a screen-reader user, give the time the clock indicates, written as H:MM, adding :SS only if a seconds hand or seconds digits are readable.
10:30
